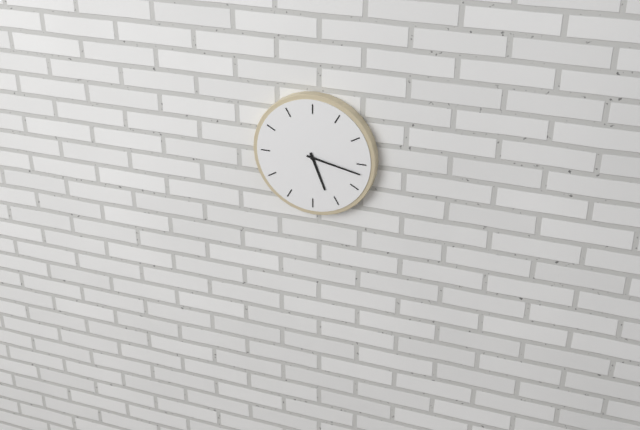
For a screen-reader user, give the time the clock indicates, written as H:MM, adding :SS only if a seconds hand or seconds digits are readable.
5:17
